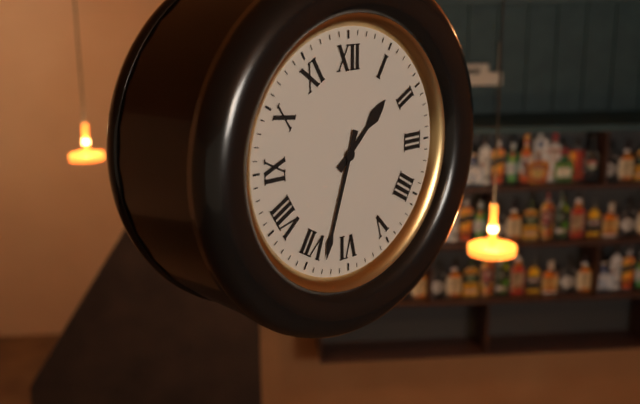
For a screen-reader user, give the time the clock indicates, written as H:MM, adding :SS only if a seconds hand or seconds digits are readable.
1:33
